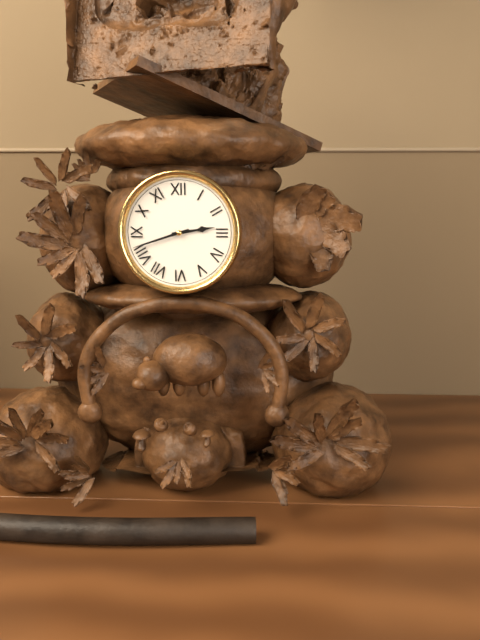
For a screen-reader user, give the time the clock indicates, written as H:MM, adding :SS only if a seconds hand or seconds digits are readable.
2:42
